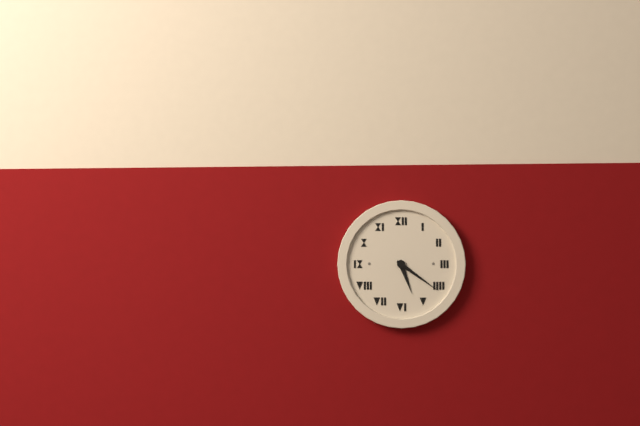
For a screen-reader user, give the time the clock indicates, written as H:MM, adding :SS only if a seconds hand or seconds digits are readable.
5:21
